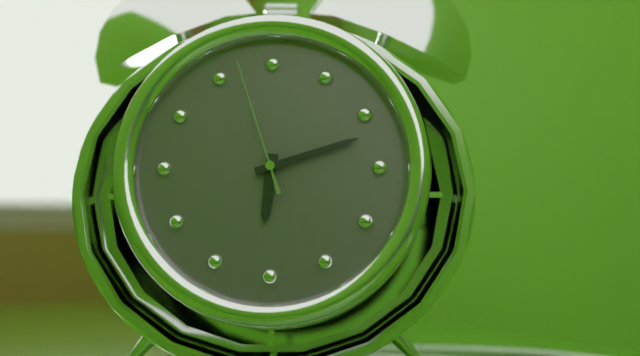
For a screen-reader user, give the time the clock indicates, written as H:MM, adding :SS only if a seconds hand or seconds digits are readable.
6:12:57
